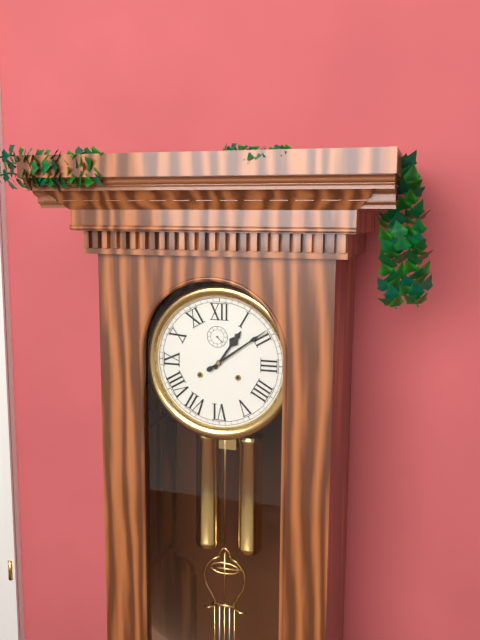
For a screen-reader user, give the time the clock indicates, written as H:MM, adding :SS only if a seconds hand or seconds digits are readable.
1:09
